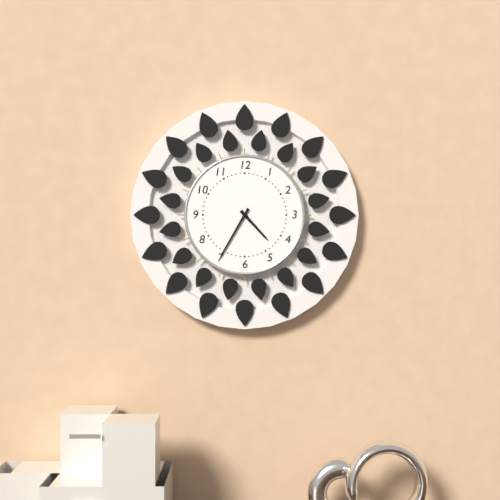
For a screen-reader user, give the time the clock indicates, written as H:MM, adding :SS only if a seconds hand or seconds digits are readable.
4:35
